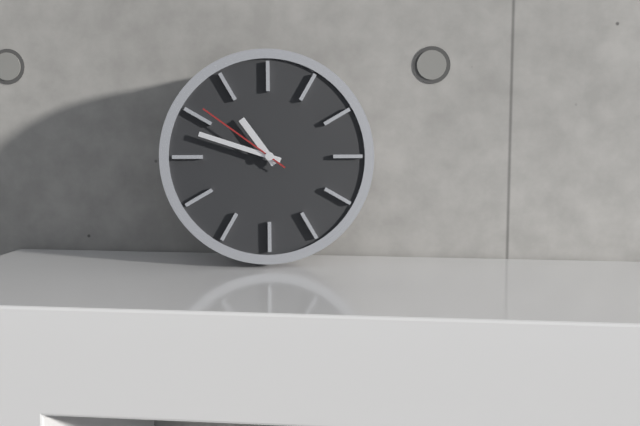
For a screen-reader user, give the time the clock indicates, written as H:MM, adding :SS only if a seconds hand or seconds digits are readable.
10:48:51
